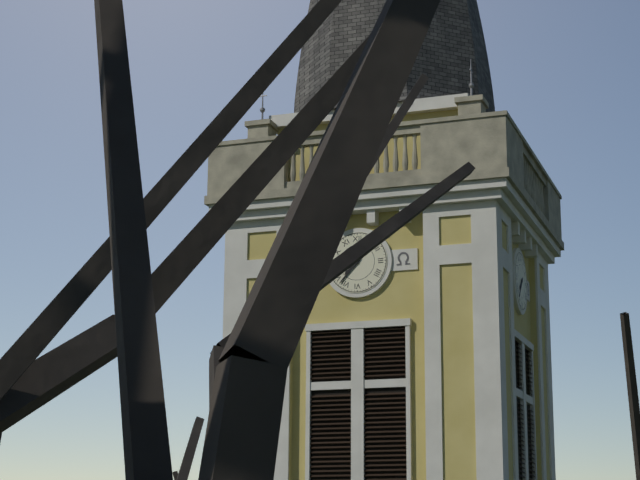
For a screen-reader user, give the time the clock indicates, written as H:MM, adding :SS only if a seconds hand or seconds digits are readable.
7:37
